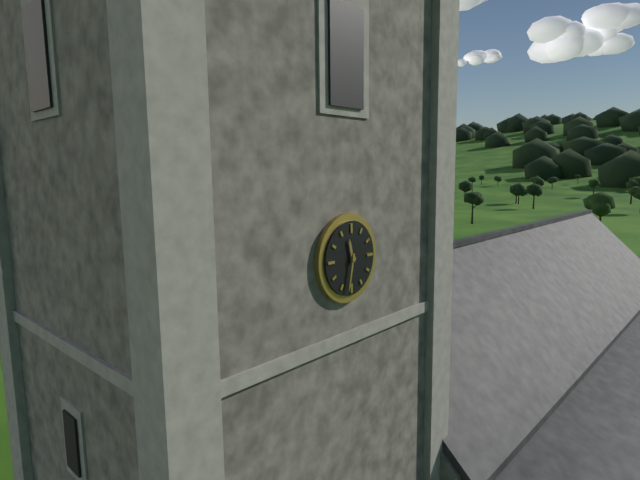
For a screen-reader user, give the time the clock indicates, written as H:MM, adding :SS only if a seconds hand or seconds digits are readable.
11:32
